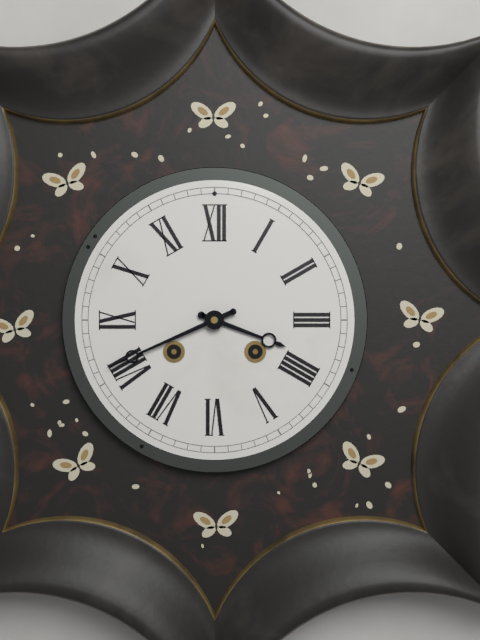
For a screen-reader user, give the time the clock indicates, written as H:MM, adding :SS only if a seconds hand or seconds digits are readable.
3:41
